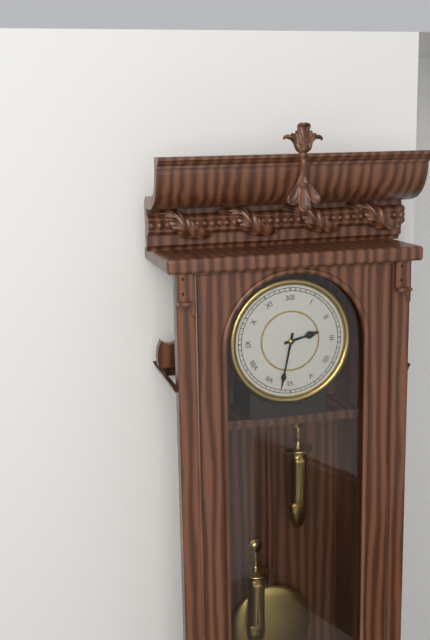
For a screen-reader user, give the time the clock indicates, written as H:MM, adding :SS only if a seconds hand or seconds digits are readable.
2:32
